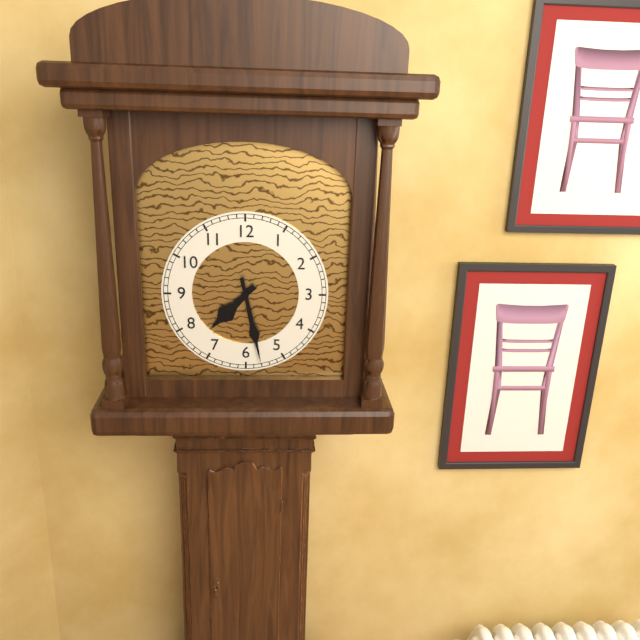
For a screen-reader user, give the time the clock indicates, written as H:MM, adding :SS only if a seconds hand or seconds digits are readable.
7:28
